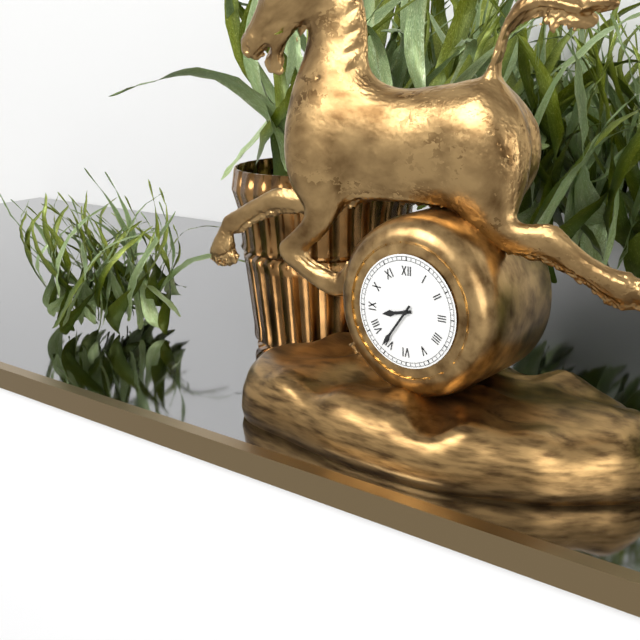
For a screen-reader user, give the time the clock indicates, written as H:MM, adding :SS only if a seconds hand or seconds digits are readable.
8:36
